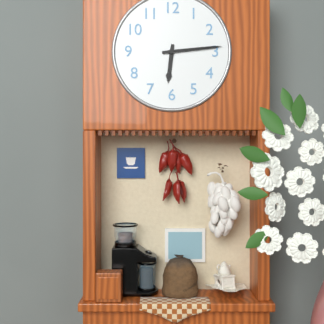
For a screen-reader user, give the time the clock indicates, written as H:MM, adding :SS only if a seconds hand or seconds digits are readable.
6:14
